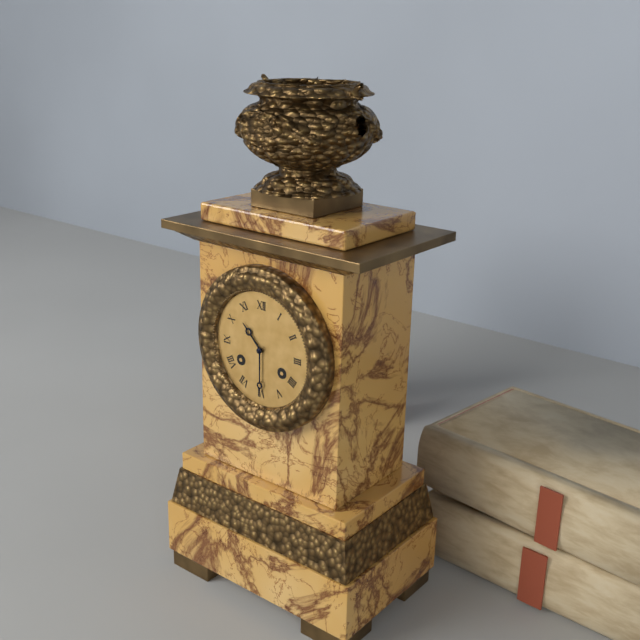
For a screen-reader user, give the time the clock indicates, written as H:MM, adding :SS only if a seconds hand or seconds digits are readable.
10:30
